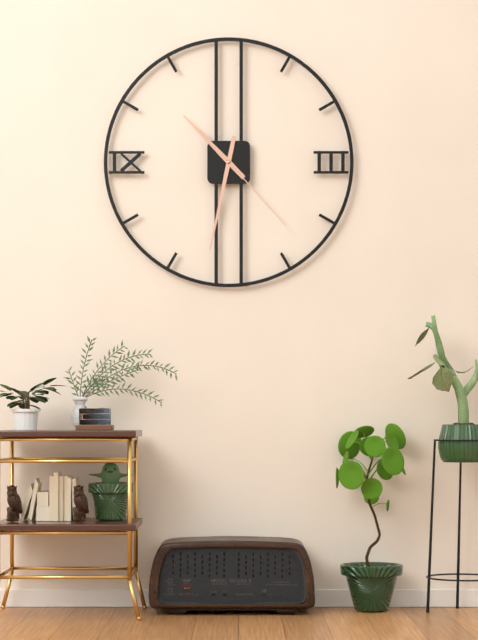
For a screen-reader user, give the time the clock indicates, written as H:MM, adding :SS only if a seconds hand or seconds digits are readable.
10:32:23
